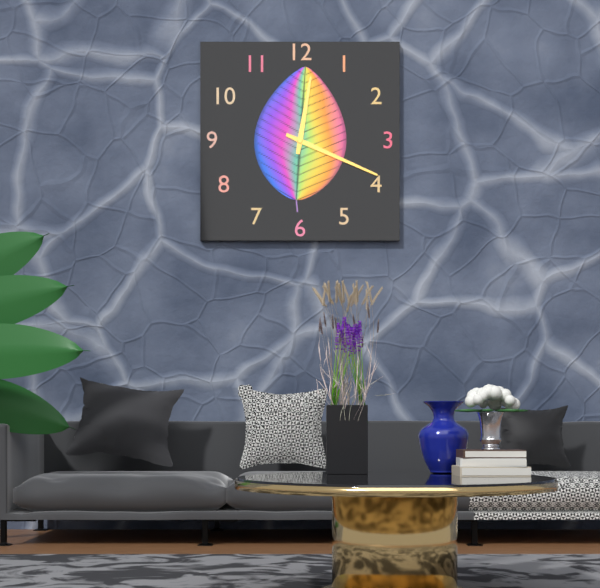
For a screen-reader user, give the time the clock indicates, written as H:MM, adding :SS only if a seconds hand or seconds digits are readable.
12:19
